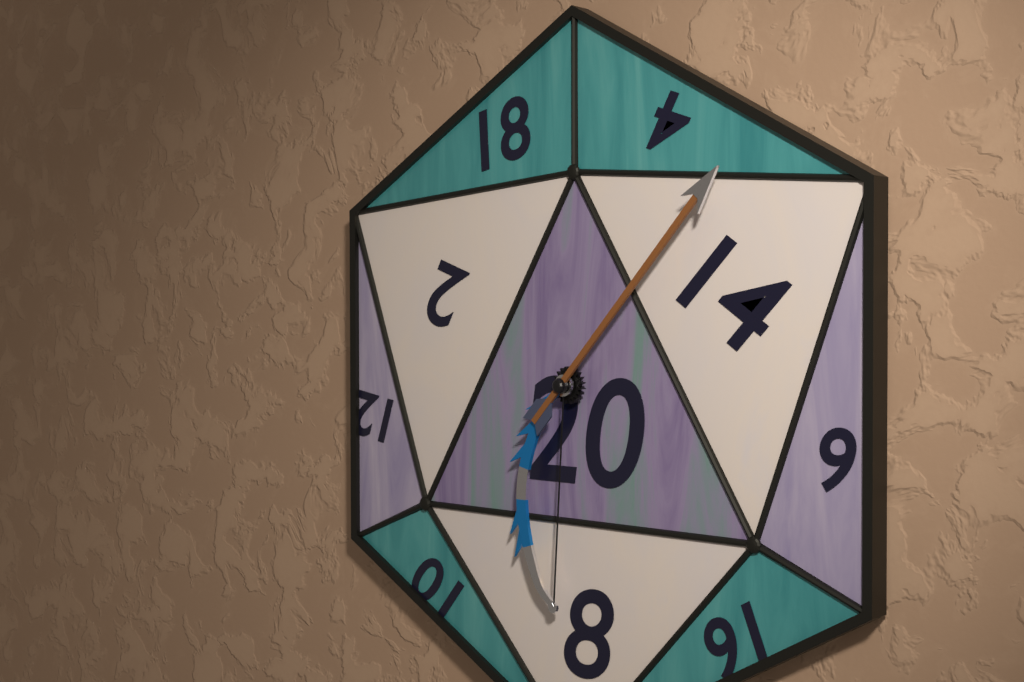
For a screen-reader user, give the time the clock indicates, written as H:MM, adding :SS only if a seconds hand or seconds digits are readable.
6:07
